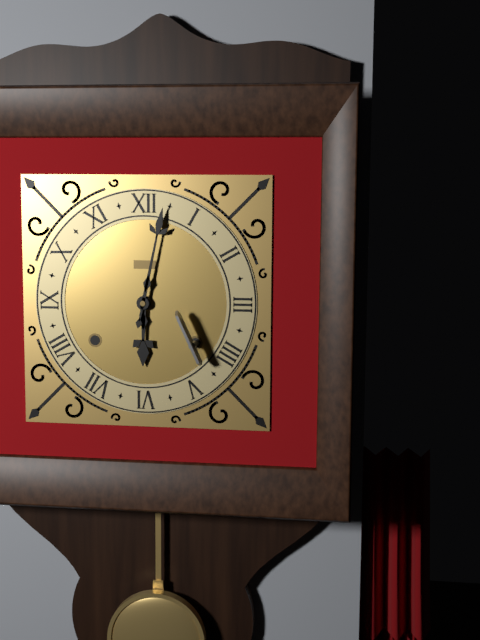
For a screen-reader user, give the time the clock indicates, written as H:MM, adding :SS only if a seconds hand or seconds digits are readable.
6:02
